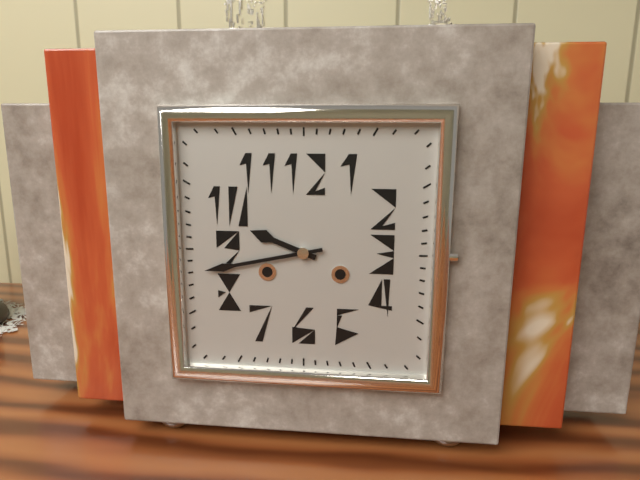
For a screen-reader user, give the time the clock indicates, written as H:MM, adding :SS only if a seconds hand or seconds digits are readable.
9:43
